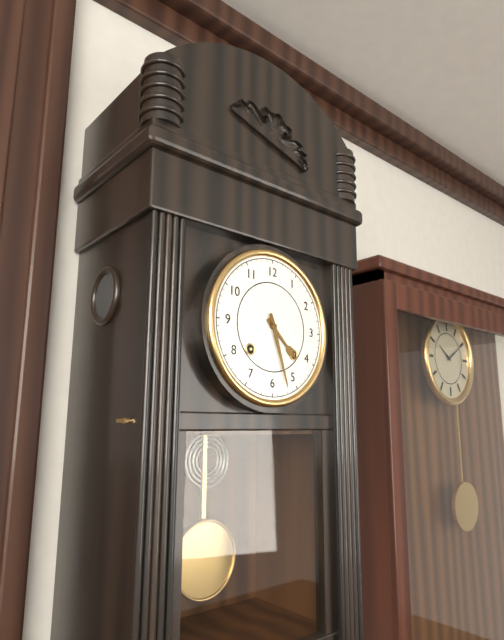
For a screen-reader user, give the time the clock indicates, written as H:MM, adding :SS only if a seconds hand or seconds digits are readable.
4:27
